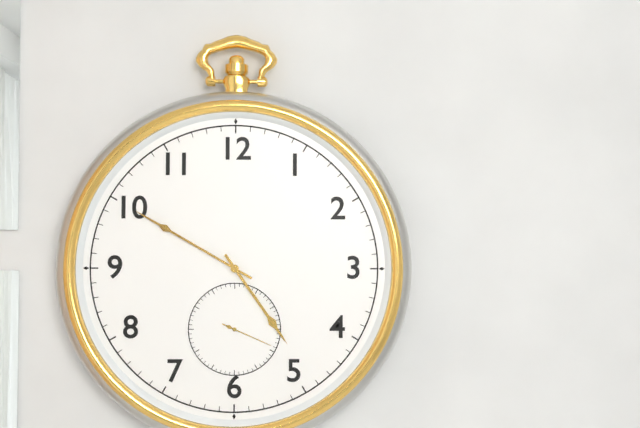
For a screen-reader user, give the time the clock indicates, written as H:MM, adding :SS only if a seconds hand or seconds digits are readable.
4:50:19
